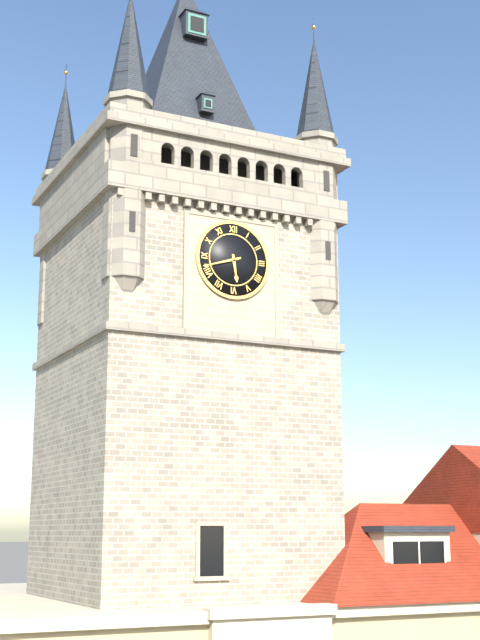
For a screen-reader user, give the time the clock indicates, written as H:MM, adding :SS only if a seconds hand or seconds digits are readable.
5:42
